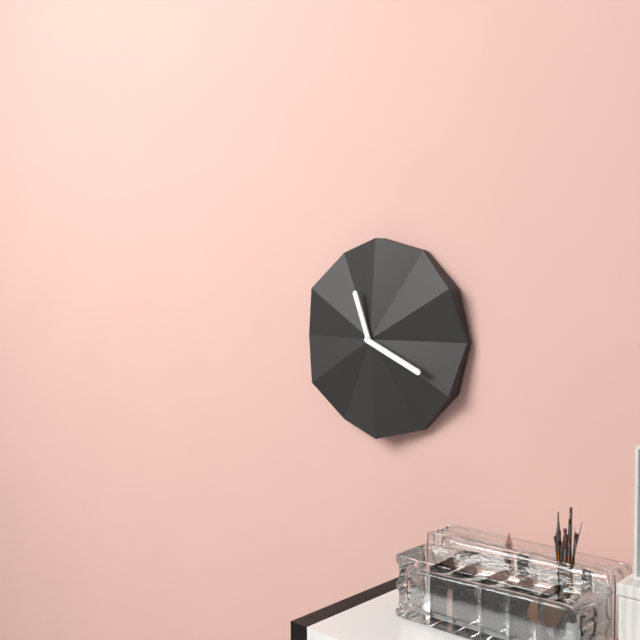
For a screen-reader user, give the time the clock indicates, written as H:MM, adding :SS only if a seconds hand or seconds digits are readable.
11:19
